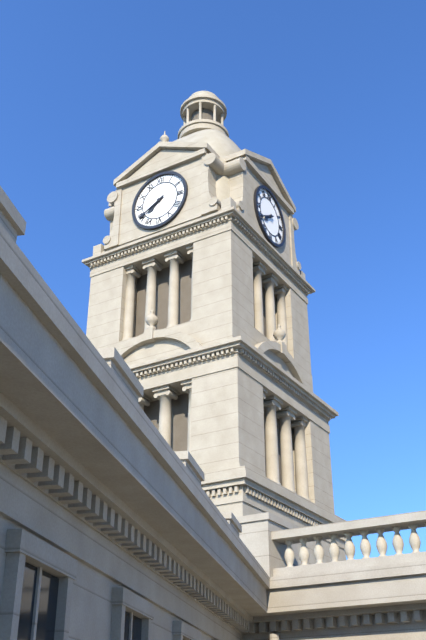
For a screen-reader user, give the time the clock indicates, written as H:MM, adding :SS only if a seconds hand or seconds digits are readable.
7:40
